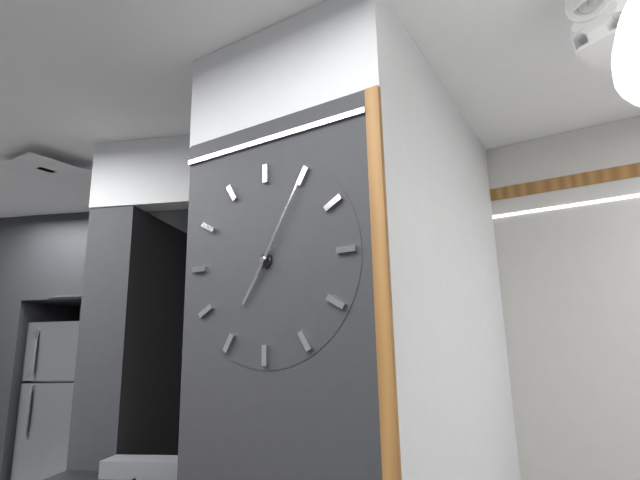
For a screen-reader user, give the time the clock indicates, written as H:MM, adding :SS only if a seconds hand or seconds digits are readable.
7:05
